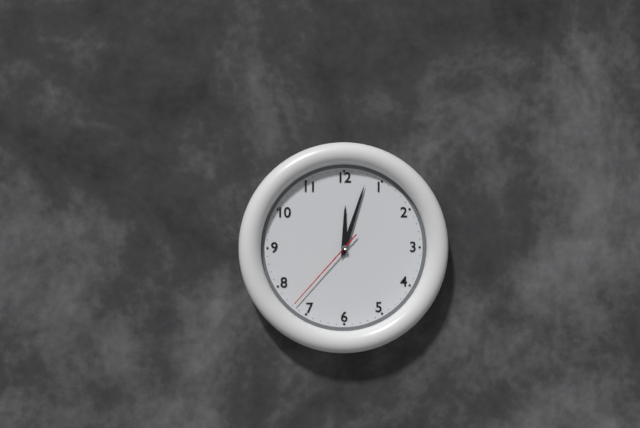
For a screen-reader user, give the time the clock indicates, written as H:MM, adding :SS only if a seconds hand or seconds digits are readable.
12:03:37
